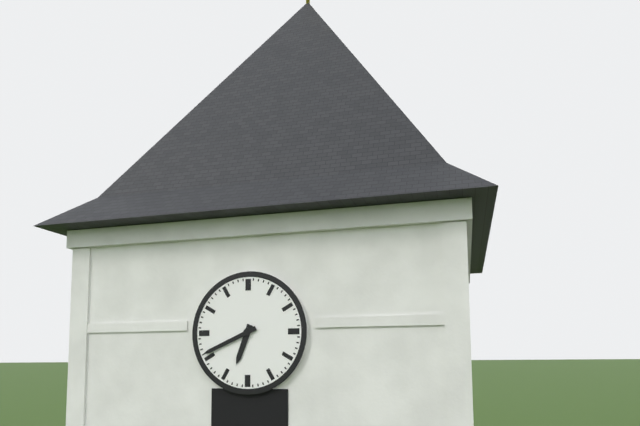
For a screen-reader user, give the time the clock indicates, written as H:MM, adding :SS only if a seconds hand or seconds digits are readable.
6:41
